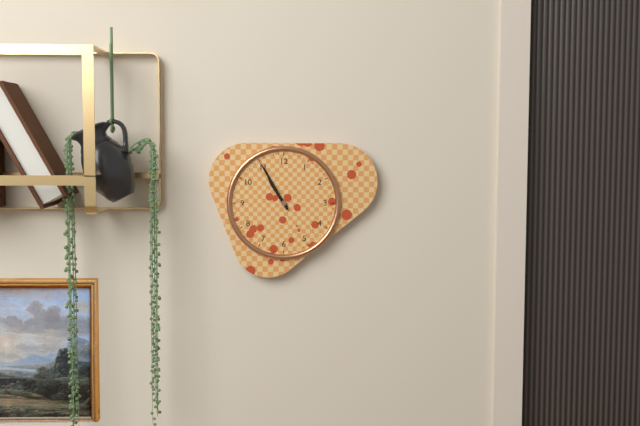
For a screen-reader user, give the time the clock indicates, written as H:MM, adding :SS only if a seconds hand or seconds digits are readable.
10:55
